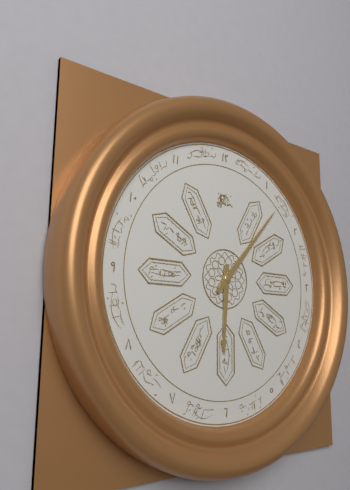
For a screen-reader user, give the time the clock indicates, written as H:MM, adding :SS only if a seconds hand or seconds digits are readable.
6:07
